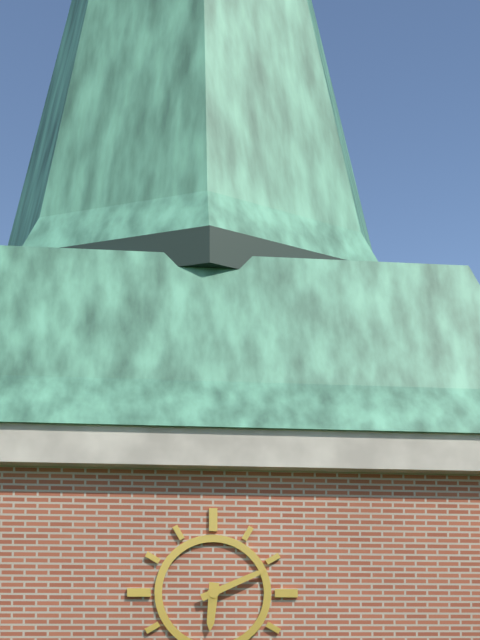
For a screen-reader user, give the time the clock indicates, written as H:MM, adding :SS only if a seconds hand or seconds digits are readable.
6:11
